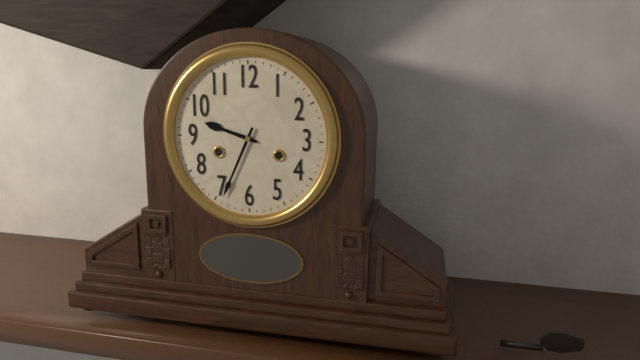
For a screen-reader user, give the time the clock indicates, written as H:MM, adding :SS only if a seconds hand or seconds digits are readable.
9:34
